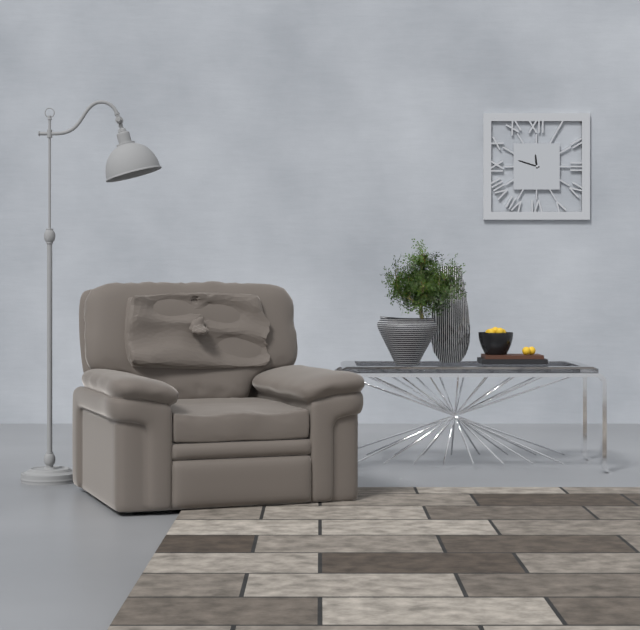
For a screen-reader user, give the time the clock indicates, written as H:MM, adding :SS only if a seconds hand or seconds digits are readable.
11:48
